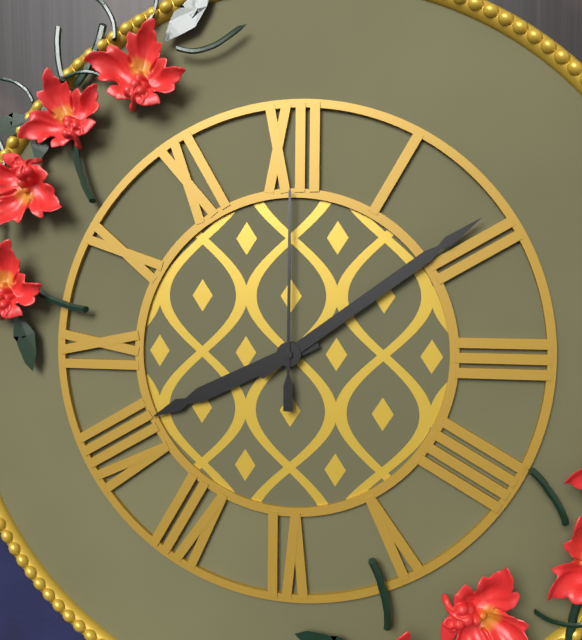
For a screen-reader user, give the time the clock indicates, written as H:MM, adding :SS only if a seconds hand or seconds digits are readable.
8:09:00
